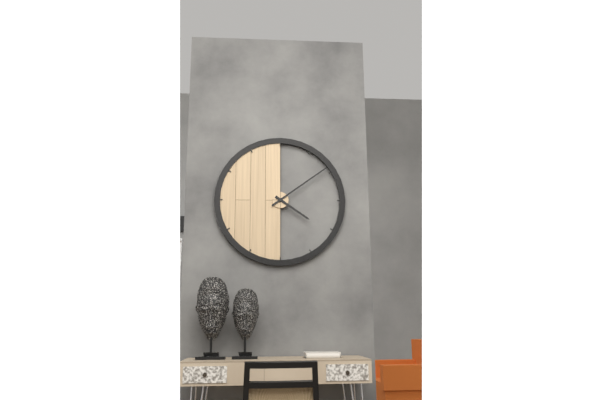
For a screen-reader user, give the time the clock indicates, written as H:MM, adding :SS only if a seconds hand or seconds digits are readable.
4:09
